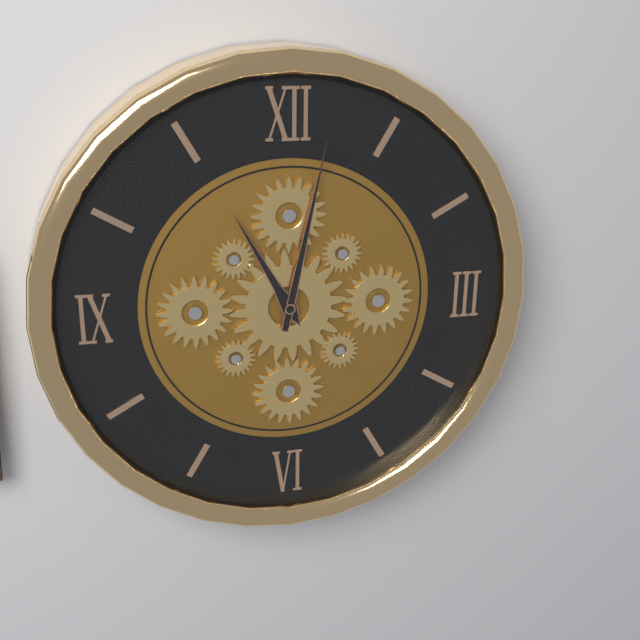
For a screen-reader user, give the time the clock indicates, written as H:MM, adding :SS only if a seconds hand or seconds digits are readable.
11:02
